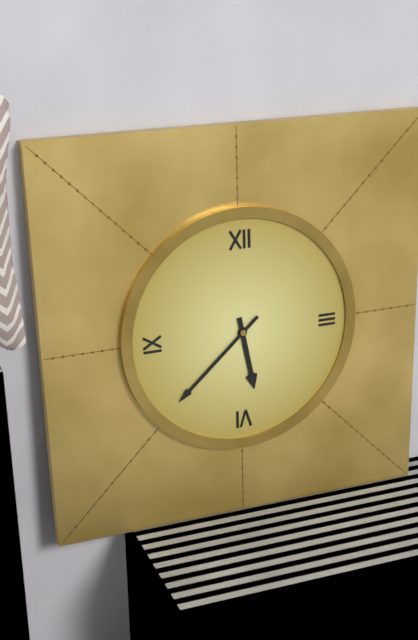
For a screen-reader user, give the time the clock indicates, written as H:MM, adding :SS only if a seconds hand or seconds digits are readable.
5:38
